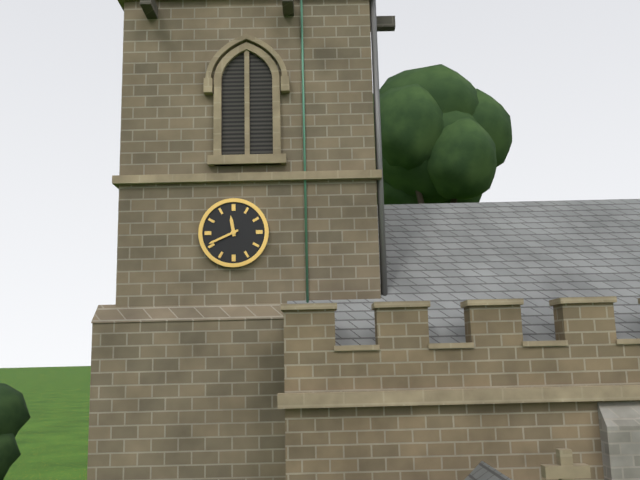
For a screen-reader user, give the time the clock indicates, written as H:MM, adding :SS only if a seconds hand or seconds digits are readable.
11:41
